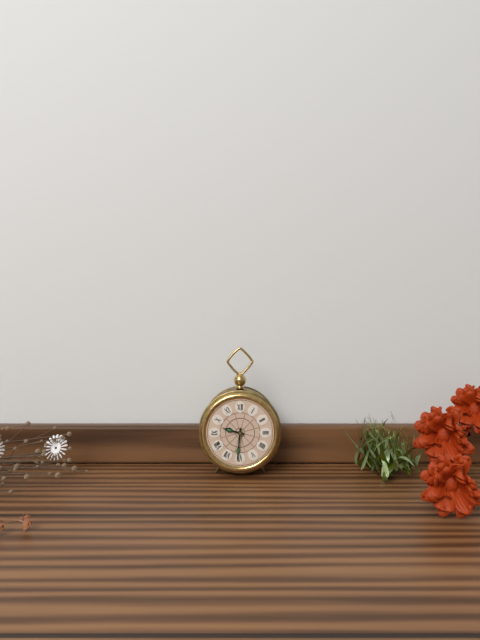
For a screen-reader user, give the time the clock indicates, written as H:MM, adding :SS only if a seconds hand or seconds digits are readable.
9:31
